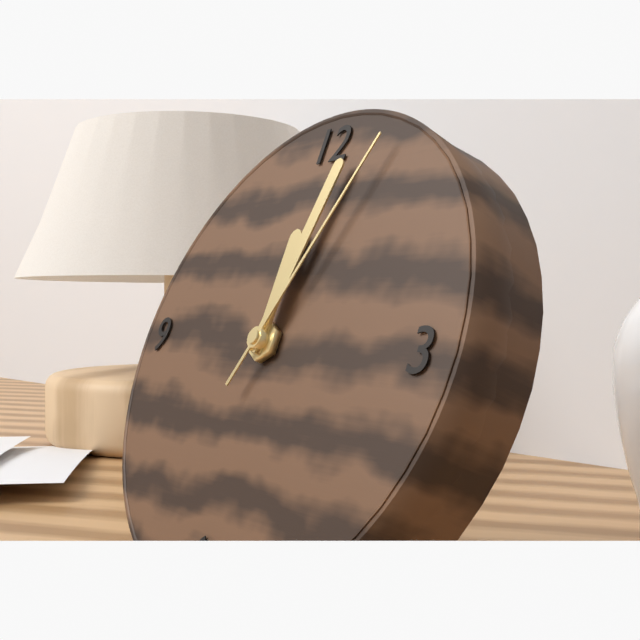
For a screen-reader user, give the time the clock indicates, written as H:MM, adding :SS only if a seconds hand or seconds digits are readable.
12:02:04
